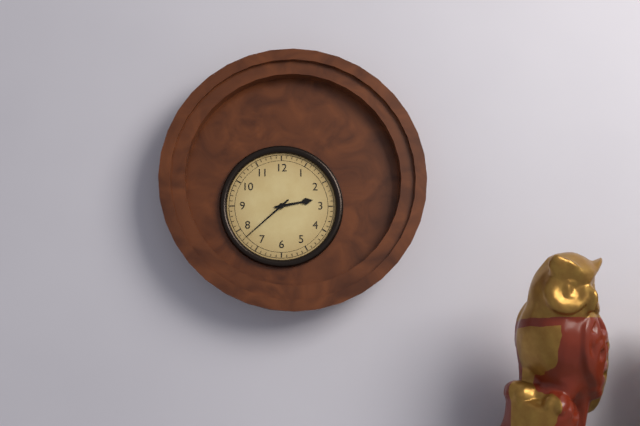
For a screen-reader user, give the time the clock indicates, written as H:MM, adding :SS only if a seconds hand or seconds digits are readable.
2:38
